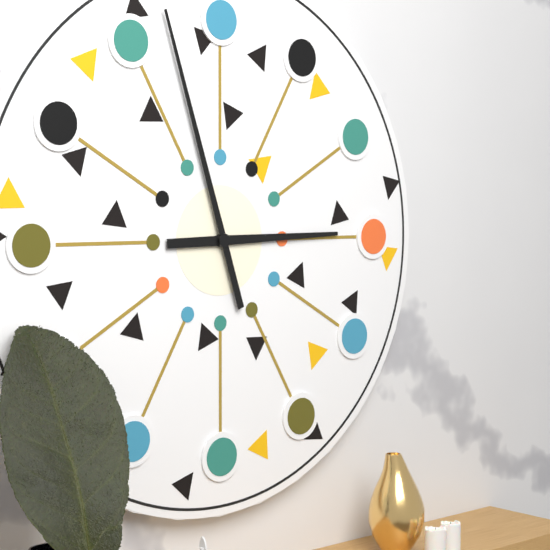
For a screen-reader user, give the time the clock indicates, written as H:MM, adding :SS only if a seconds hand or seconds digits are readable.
2:57
